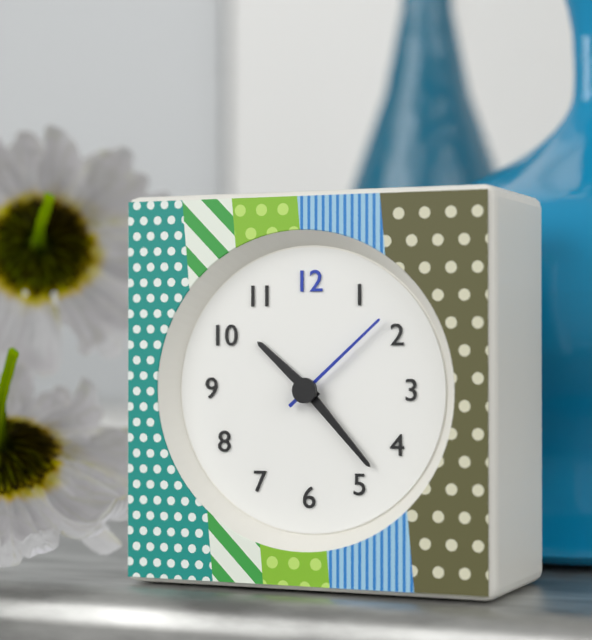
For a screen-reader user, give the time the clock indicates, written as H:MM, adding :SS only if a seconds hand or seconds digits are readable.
10:23:08
